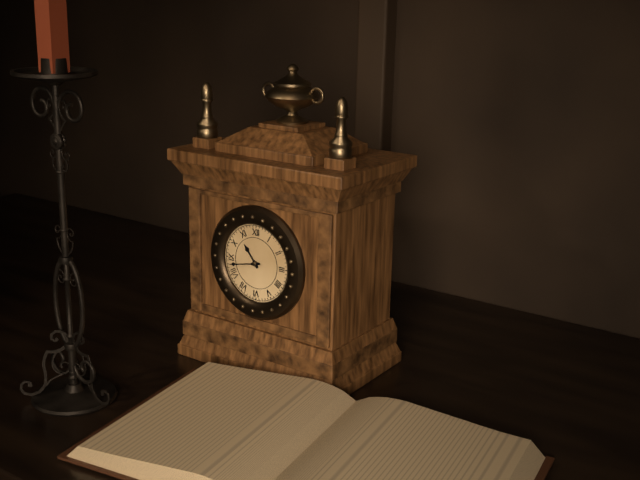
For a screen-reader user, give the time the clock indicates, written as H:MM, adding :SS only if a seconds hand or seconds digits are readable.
10:43
